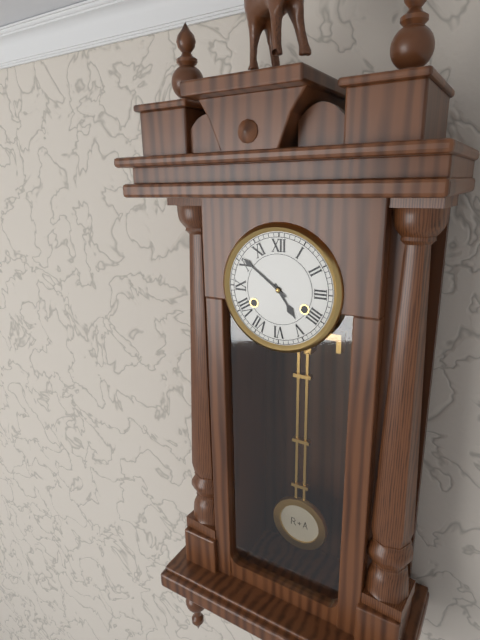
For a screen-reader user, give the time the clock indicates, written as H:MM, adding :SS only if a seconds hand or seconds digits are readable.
4:51
